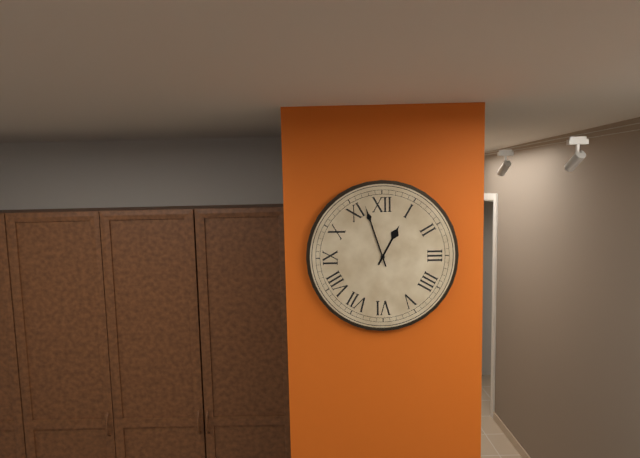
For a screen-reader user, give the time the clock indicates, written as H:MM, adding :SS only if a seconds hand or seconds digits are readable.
12:57
